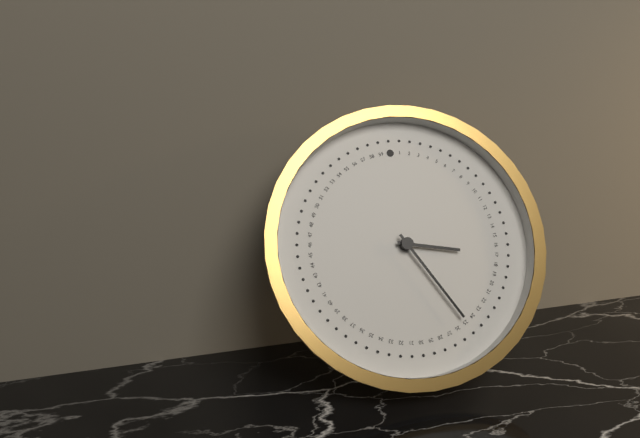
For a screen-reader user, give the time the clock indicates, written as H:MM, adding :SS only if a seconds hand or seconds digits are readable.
3:25
